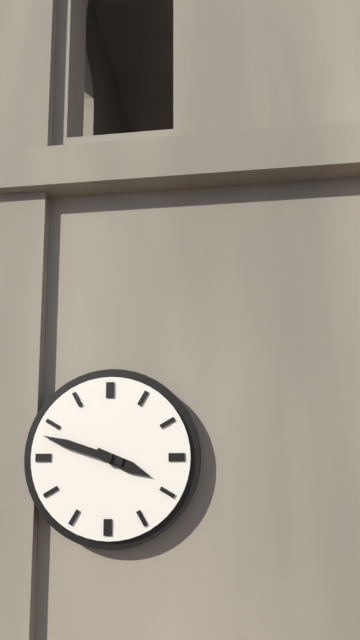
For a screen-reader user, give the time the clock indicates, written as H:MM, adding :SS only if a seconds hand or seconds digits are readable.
3:48
